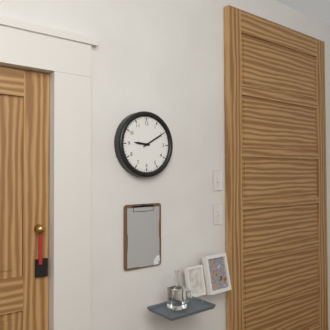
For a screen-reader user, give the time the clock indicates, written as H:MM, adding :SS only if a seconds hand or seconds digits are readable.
9:10
